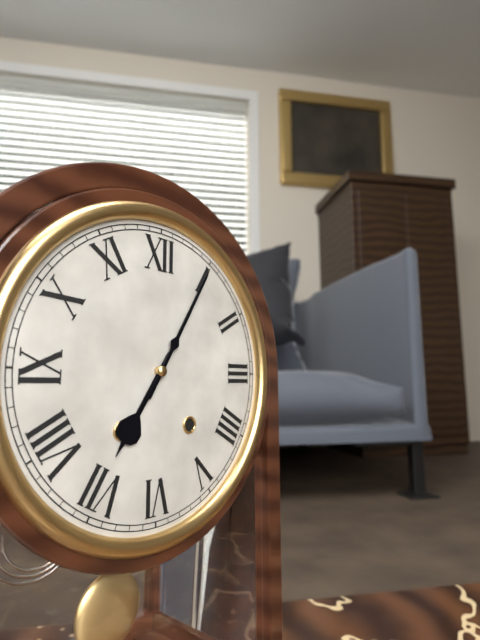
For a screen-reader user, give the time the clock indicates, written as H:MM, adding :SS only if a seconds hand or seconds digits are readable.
7:05
